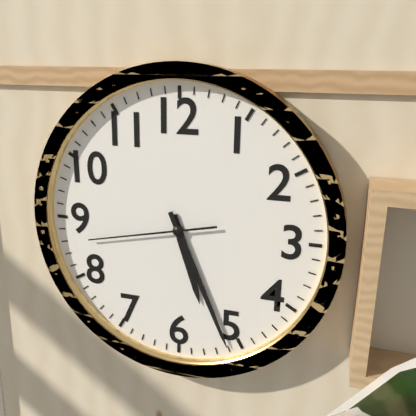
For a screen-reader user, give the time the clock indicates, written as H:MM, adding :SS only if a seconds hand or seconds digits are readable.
5:26:43
